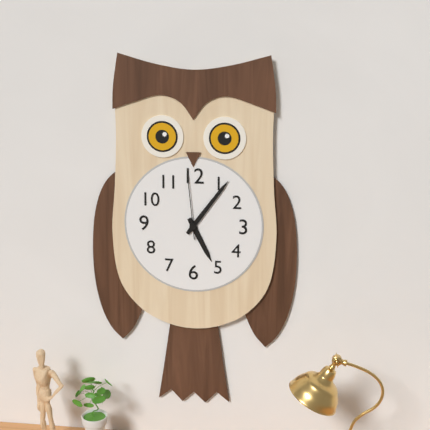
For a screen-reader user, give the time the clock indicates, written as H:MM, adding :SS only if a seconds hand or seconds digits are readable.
5:06:59
